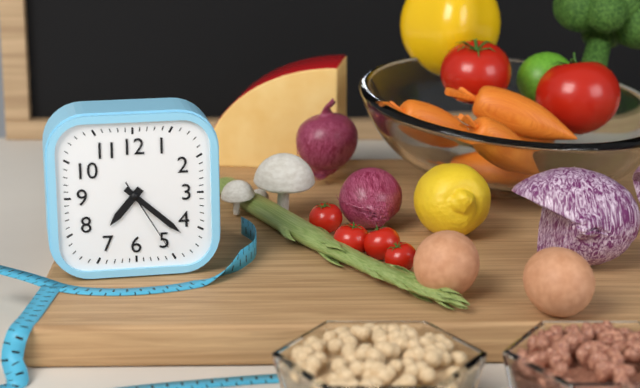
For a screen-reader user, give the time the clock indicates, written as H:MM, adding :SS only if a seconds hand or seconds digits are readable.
7:22:25
